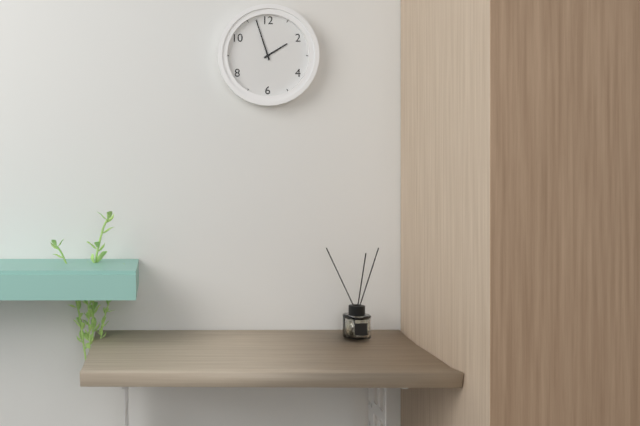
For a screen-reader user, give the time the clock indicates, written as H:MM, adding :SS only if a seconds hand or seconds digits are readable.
1:57
